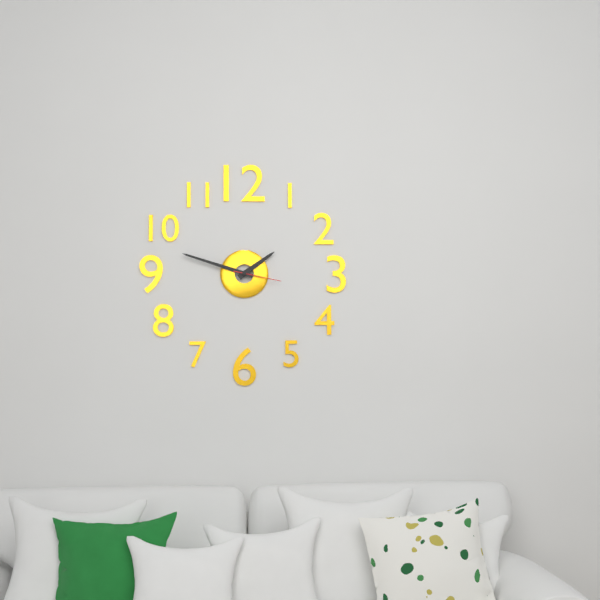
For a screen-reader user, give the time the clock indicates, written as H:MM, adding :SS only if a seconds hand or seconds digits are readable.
1:48
